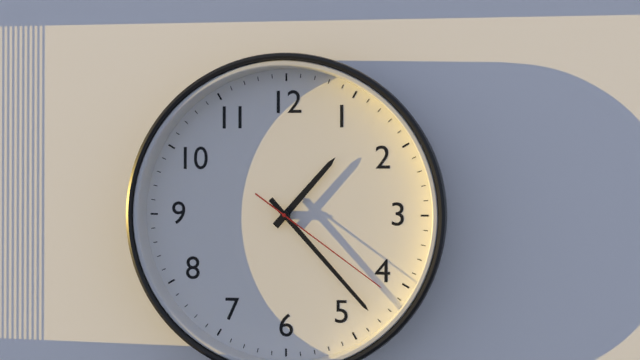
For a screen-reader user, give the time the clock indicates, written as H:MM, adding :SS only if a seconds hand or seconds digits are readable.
1:23:21
